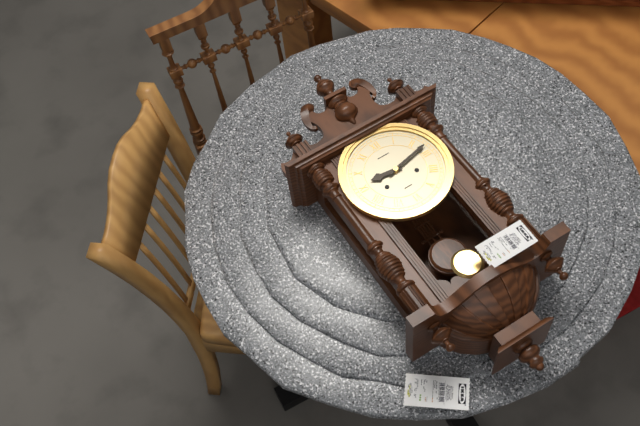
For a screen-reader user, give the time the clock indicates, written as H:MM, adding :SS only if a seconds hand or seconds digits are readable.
9:13
